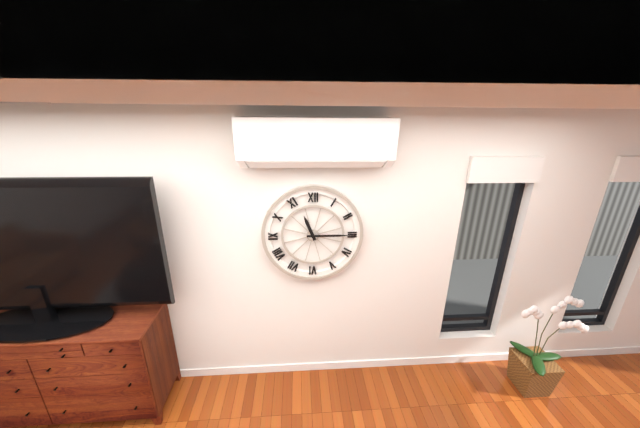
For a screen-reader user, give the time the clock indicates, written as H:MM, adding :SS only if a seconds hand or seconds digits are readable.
11:15
